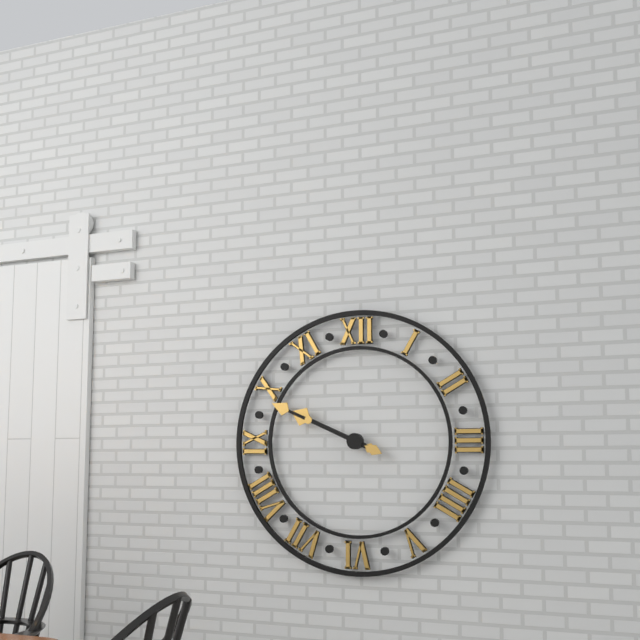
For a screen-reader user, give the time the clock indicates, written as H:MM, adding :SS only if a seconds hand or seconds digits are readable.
9:49
